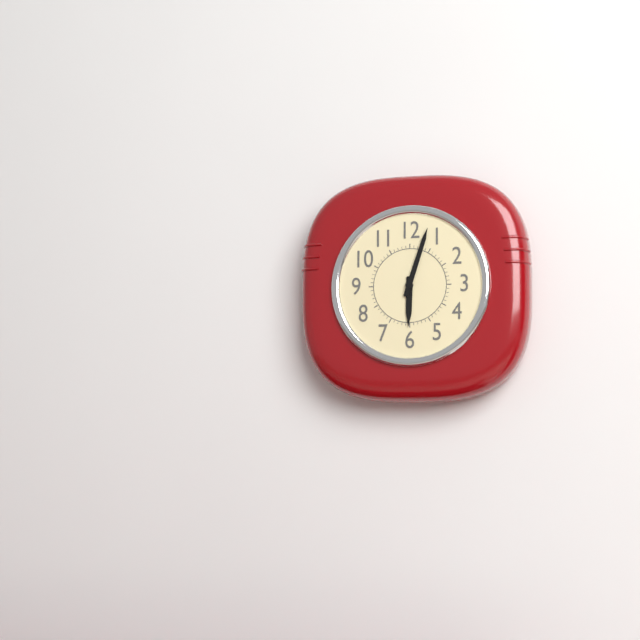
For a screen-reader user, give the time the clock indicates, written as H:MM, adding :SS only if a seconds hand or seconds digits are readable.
6:03
